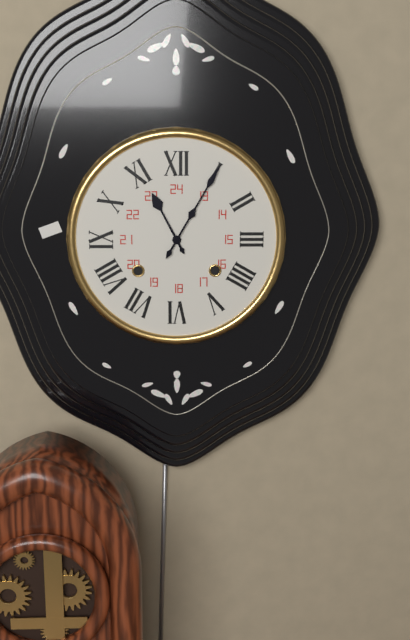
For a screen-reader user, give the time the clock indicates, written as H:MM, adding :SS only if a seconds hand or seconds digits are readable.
11:05
